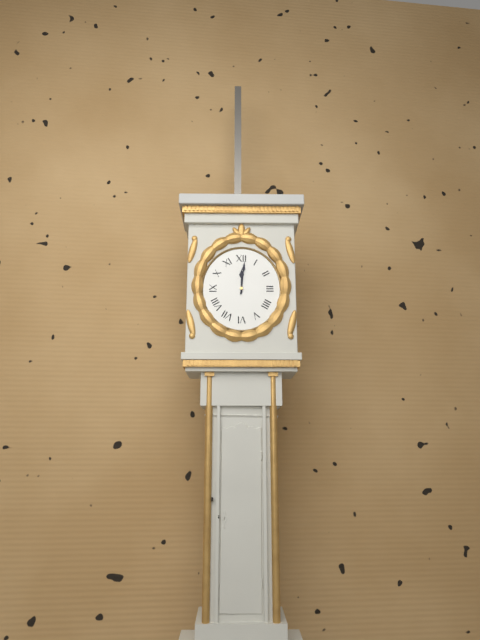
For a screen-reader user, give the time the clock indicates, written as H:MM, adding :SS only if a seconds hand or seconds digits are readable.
12:01
